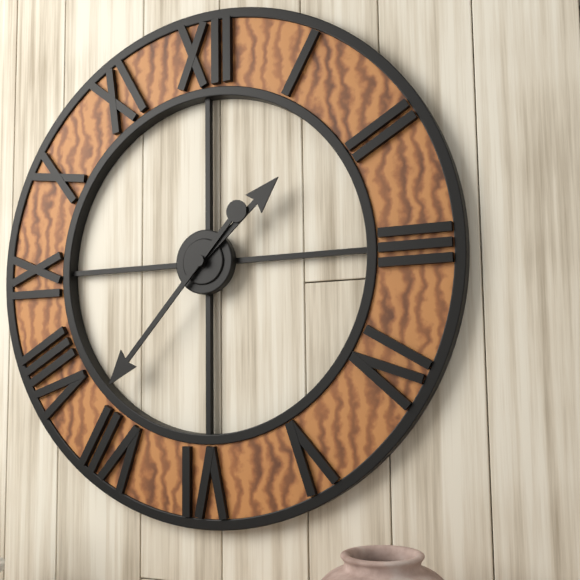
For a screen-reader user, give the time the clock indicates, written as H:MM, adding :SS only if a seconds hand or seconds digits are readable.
1:37
